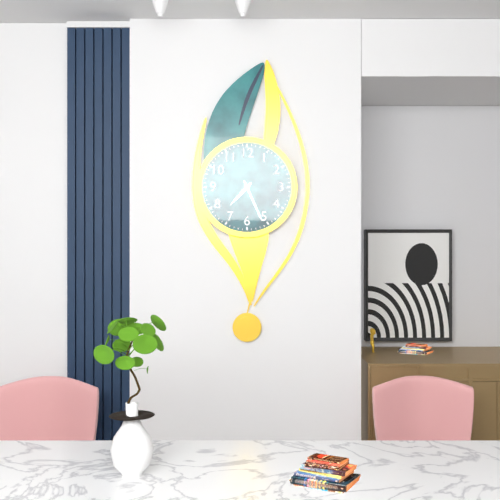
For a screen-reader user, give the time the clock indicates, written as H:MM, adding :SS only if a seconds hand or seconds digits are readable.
7:26
